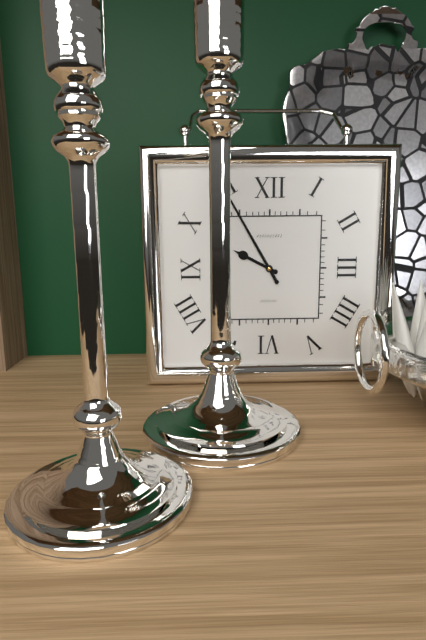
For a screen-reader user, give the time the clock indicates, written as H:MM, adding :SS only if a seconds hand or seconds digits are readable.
9:55
